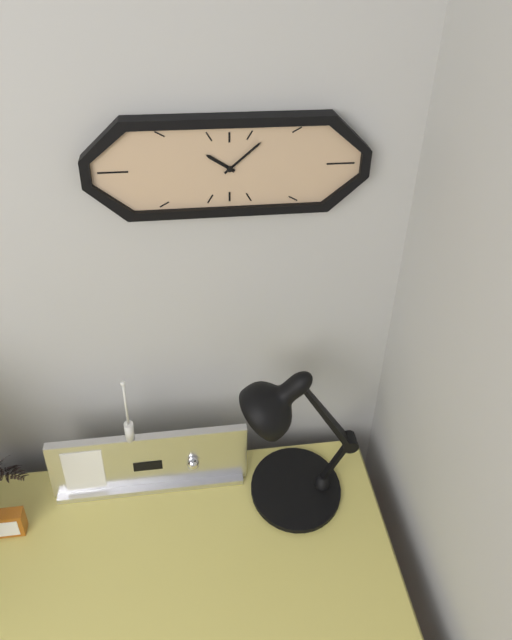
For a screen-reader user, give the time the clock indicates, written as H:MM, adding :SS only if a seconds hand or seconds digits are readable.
10:08
